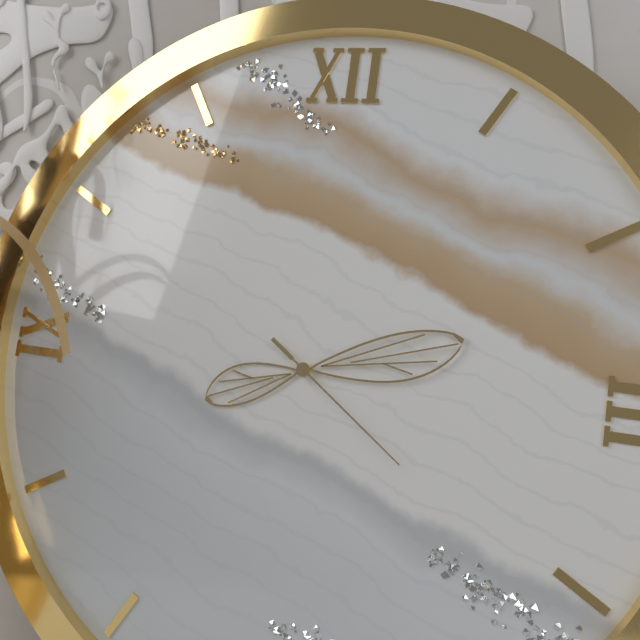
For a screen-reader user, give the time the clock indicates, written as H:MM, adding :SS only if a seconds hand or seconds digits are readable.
8:12:21
